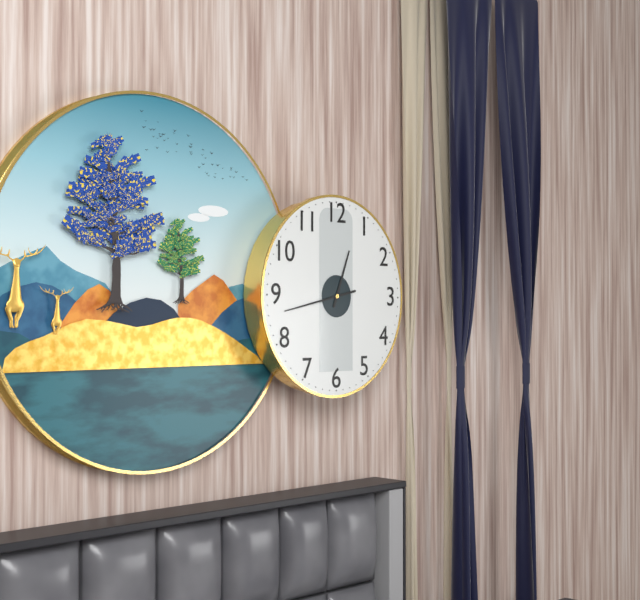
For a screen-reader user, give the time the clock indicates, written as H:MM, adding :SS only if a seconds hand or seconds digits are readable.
12:43
